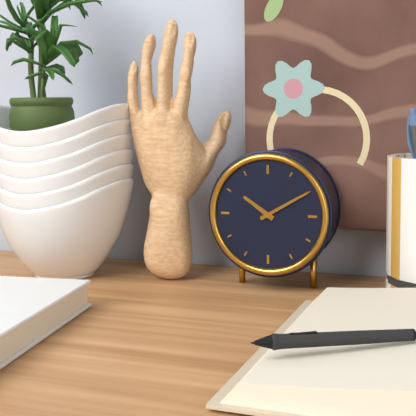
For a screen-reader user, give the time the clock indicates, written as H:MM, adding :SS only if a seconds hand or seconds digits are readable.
10:10
